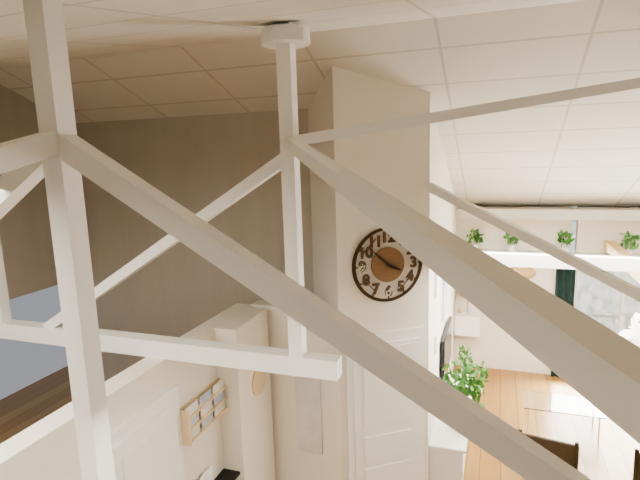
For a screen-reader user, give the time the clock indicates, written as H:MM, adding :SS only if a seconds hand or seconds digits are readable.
3:52
